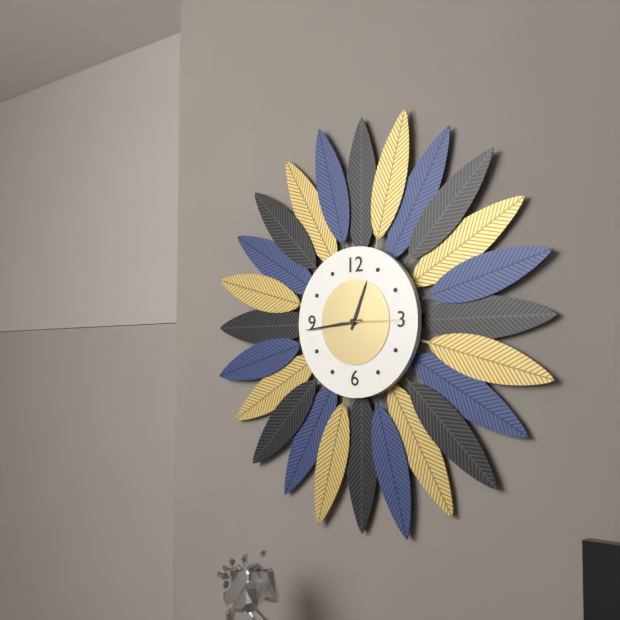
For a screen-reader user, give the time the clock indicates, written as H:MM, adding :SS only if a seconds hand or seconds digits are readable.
12:44:15
